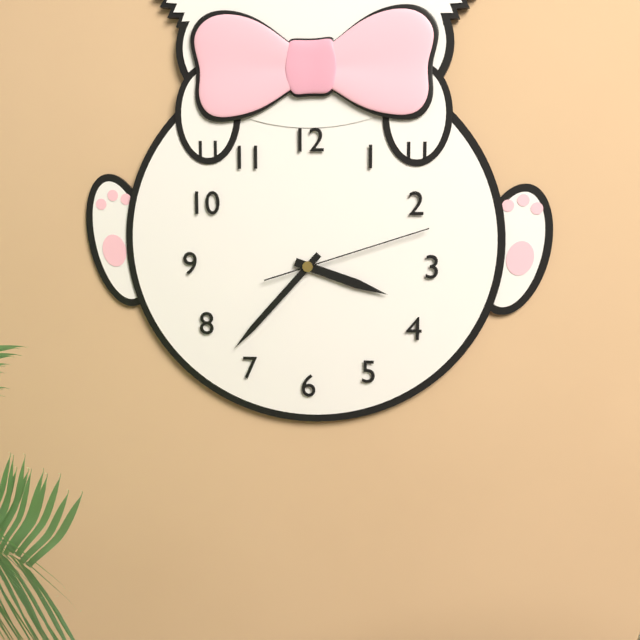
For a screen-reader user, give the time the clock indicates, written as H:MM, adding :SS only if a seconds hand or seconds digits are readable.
3:37:12
